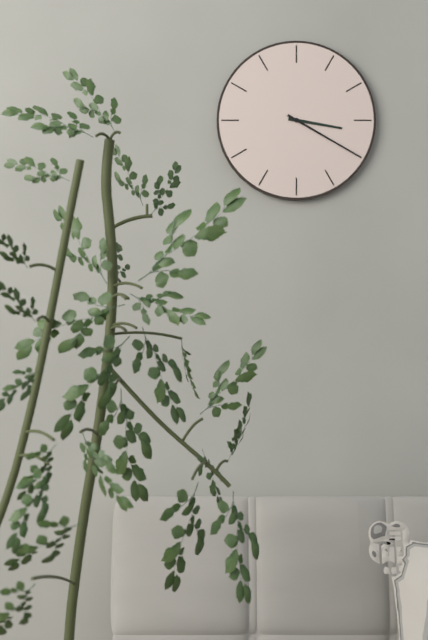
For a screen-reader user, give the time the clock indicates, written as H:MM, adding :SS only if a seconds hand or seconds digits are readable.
3:20
